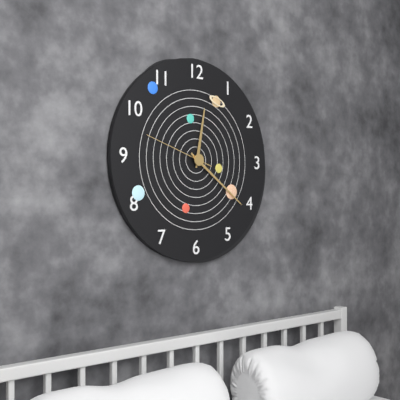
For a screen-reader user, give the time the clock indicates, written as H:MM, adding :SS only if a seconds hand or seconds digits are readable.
12:21:48
